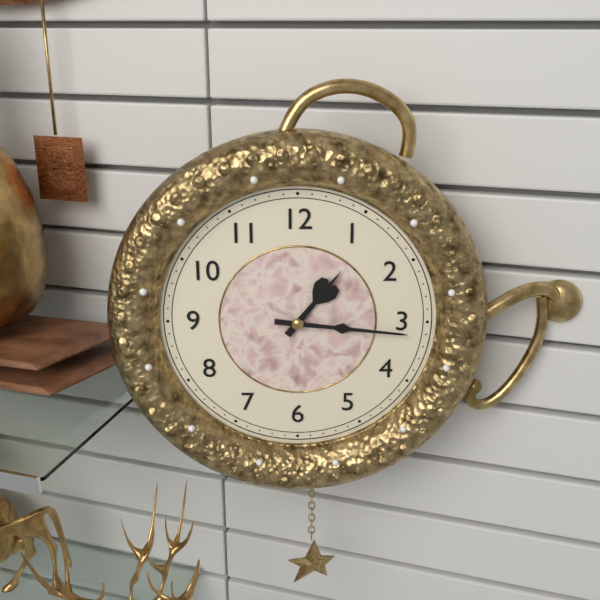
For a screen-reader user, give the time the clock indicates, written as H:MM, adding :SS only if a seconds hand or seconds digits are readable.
1:16
